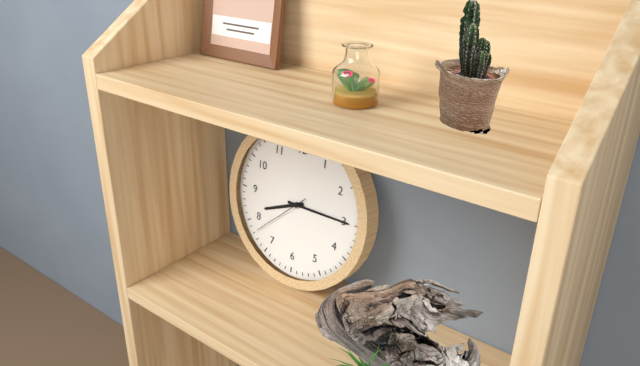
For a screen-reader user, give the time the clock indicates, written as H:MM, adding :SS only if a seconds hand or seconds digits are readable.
8:15:38
